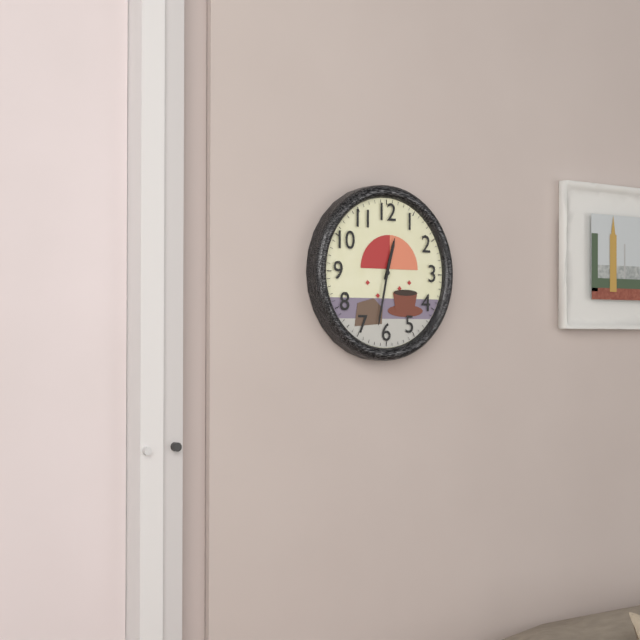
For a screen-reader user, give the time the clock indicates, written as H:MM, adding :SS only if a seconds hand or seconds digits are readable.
12:32
